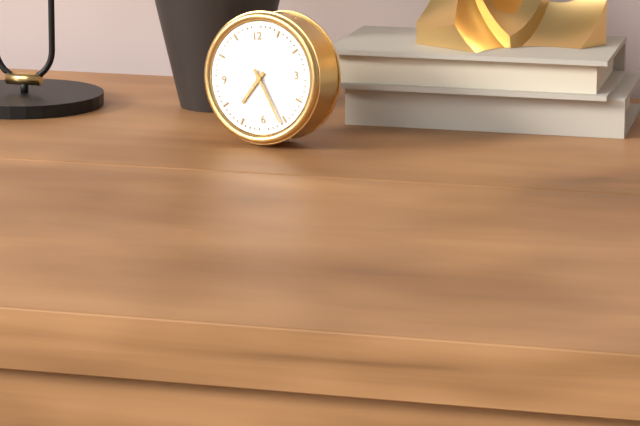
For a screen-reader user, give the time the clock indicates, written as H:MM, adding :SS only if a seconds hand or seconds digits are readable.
7:26
